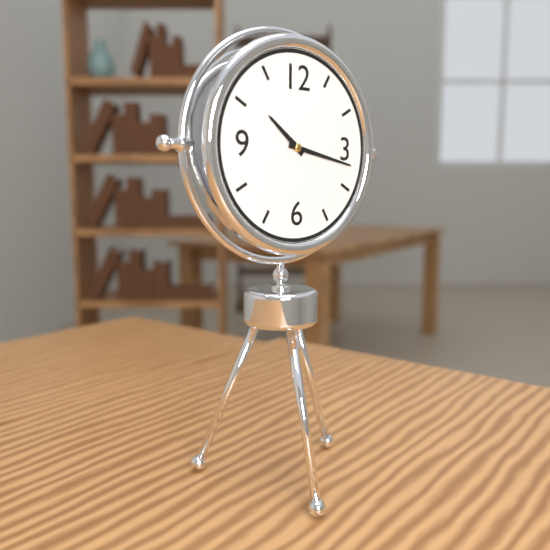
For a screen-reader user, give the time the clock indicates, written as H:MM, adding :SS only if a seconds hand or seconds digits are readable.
10:17
